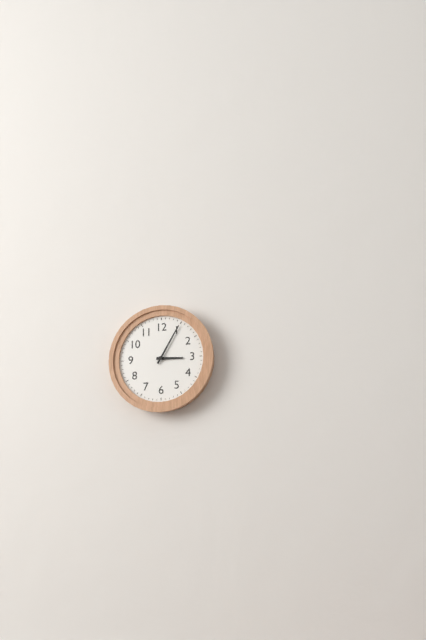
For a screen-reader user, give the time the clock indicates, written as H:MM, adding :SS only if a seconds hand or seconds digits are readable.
3:05
